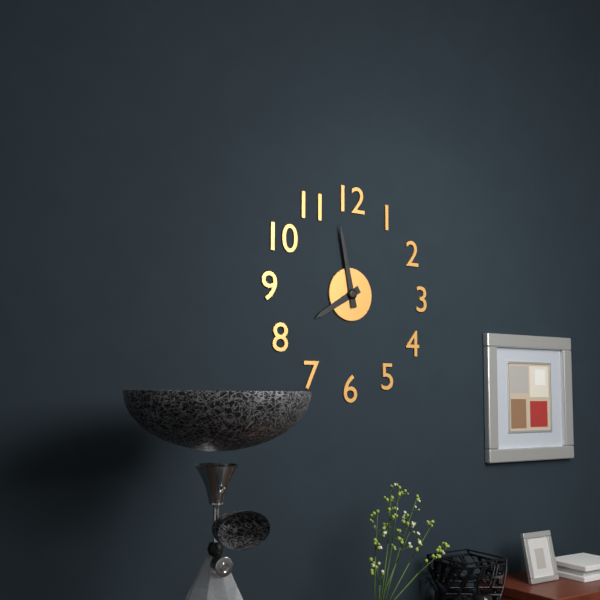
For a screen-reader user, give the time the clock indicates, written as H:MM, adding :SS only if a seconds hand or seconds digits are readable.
7:58
